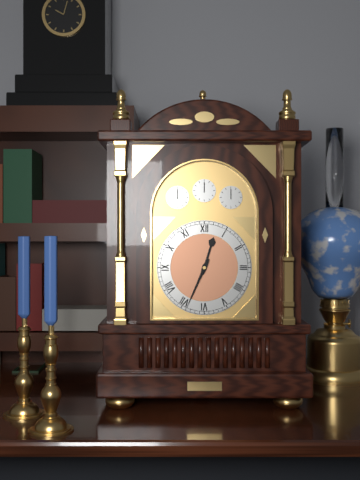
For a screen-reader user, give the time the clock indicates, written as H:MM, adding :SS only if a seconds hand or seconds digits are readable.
12:34
